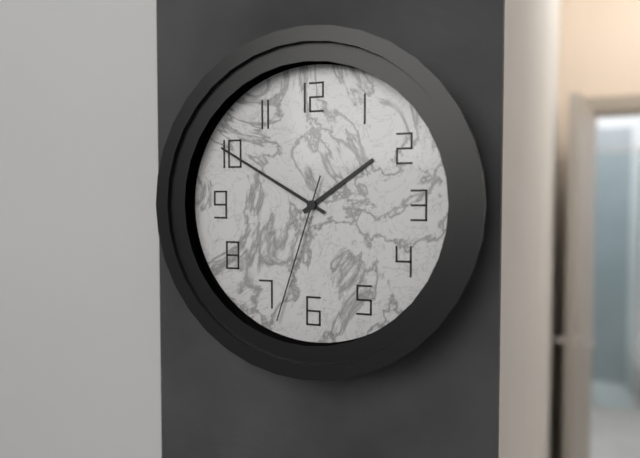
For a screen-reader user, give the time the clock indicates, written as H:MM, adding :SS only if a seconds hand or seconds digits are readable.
1:50:33
